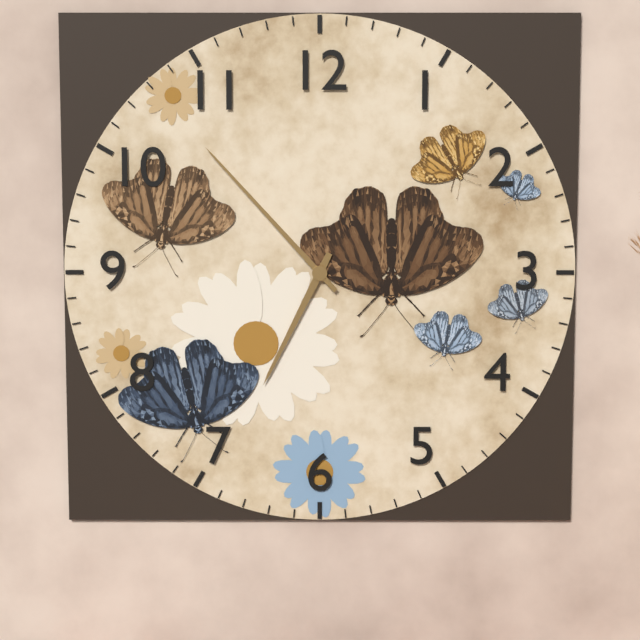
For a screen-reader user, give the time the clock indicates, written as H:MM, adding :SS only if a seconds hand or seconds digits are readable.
6:53
